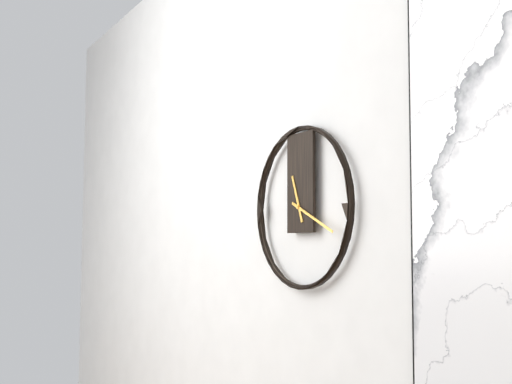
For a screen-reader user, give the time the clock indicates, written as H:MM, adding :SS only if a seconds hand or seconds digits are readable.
11:19
